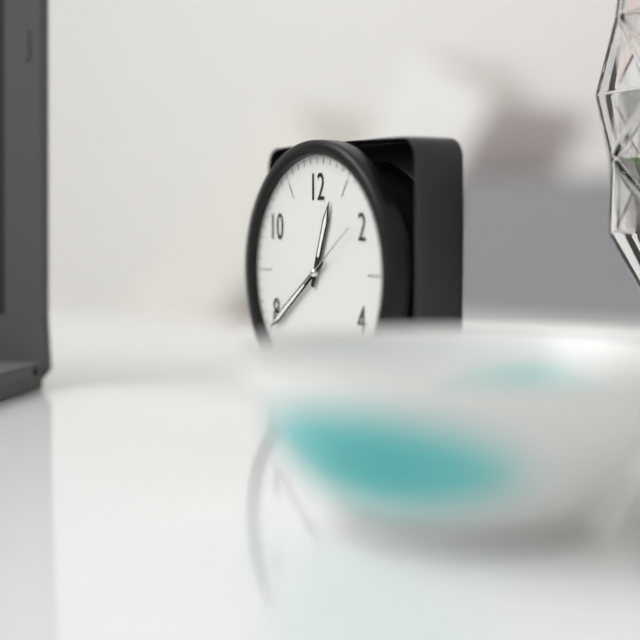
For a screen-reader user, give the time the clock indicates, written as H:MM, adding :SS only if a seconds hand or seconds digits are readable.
12:39:09
